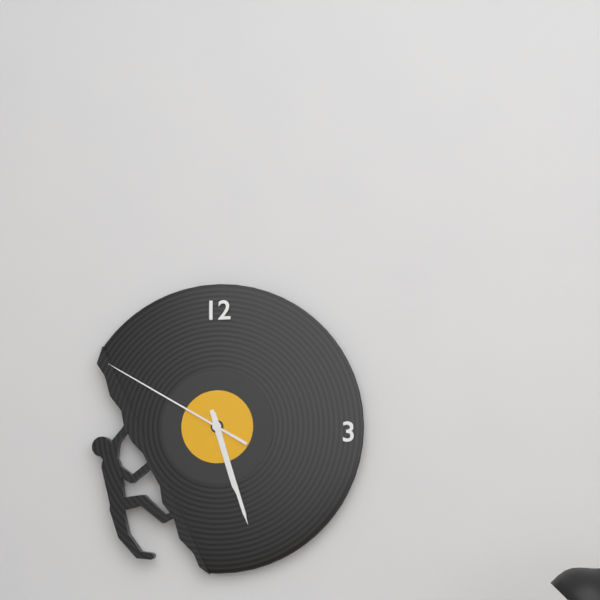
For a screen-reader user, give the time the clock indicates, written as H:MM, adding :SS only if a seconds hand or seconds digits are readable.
5:27:50
